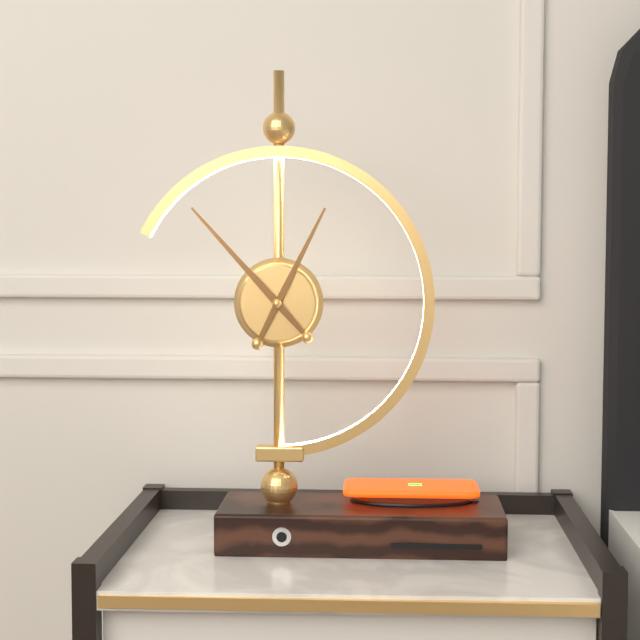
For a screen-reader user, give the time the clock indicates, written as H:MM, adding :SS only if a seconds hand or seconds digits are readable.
12:53
